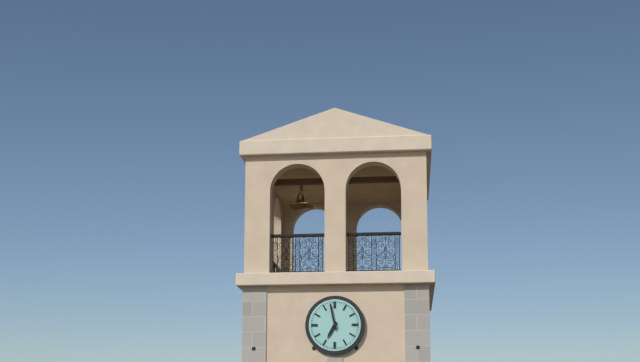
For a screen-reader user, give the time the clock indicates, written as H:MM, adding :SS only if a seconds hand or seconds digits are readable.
6:58
